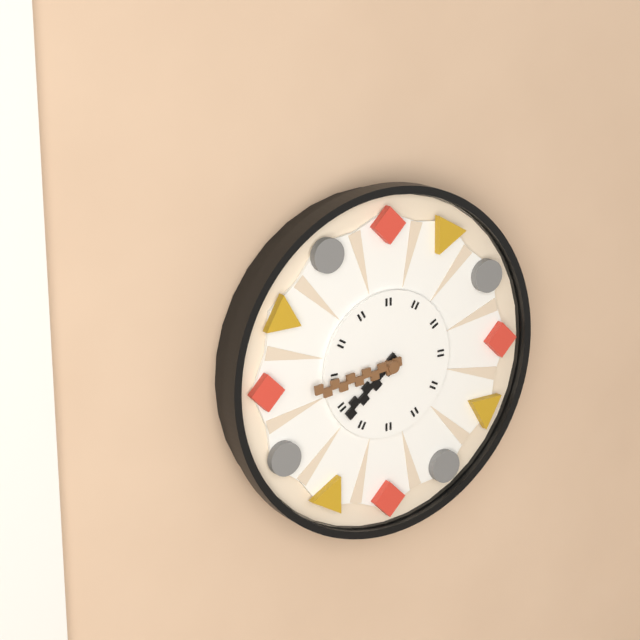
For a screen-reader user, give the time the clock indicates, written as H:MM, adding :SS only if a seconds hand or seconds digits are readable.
7:44
